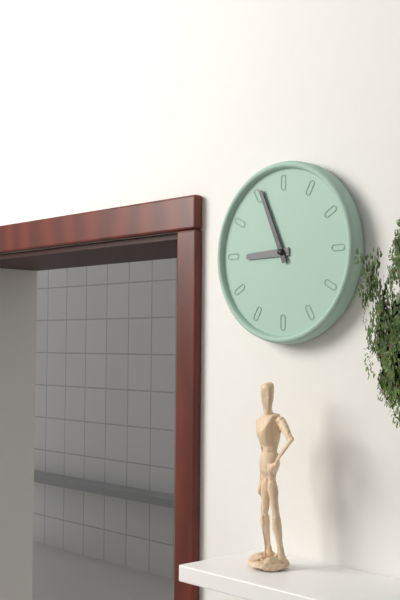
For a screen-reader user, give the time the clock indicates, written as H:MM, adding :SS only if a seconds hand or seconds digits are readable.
8:56
